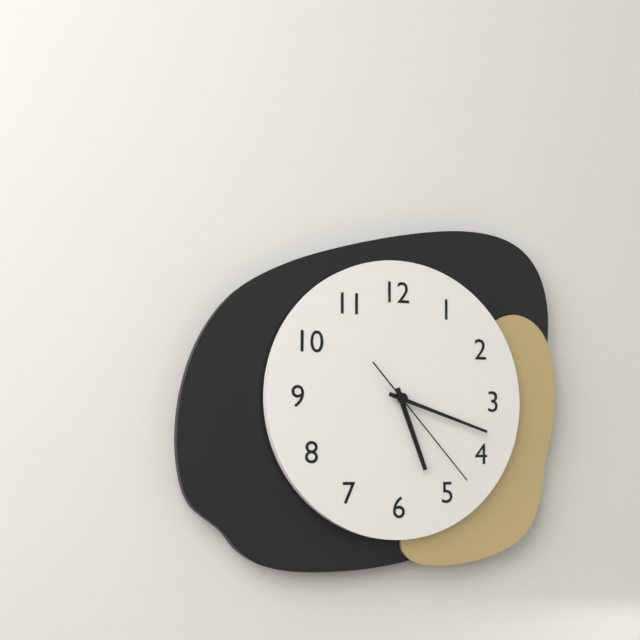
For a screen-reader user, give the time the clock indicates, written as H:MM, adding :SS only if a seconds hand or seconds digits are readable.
5:18:23
